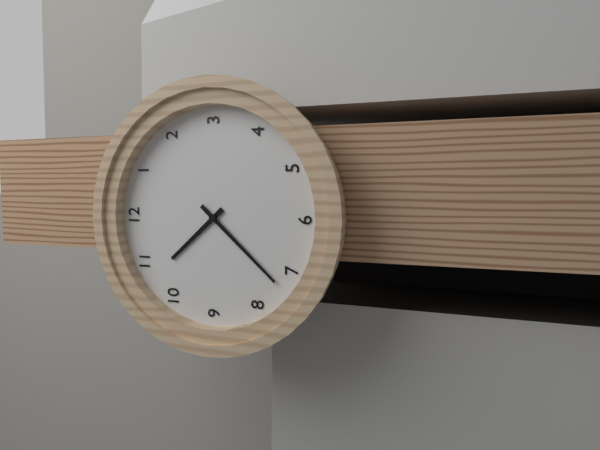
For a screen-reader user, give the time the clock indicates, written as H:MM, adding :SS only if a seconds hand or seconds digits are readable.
10:37
